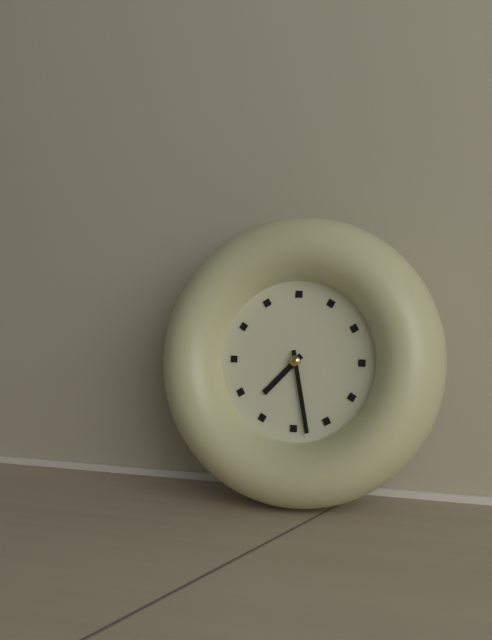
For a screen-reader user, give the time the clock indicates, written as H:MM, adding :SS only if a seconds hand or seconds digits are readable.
7:28
